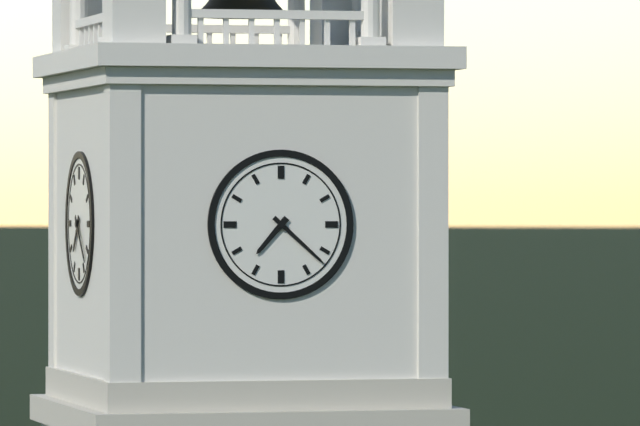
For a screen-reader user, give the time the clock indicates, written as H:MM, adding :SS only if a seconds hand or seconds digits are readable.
7:22
